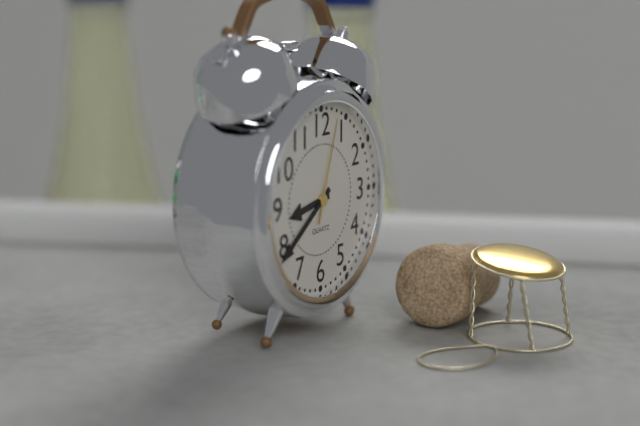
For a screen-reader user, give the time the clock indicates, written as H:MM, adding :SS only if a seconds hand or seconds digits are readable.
8:39:03
